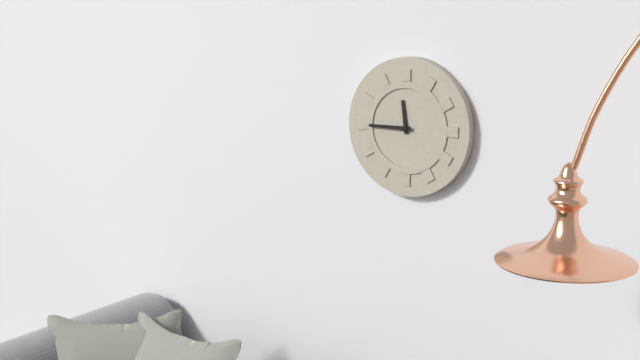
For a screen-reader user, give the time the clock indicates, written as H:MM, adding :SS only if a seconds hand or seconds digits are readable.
11:45
